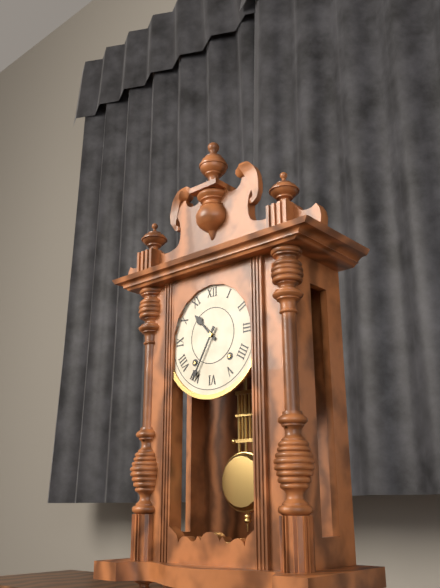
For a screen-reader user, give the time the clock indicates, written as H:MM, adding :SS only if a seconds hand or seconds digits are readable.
10:35
